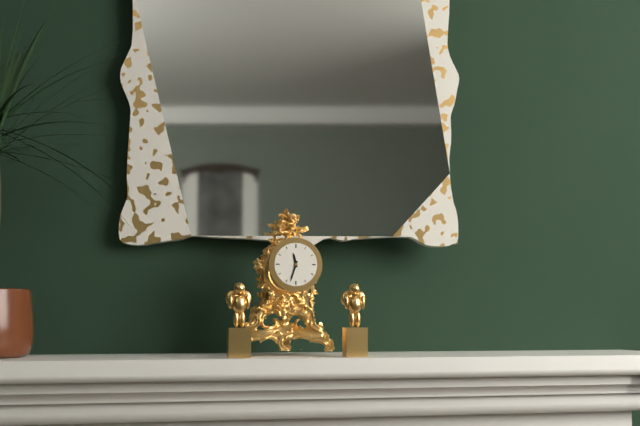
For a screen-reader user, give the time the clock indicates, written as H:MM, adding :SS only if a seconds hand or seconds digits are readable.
11:33
